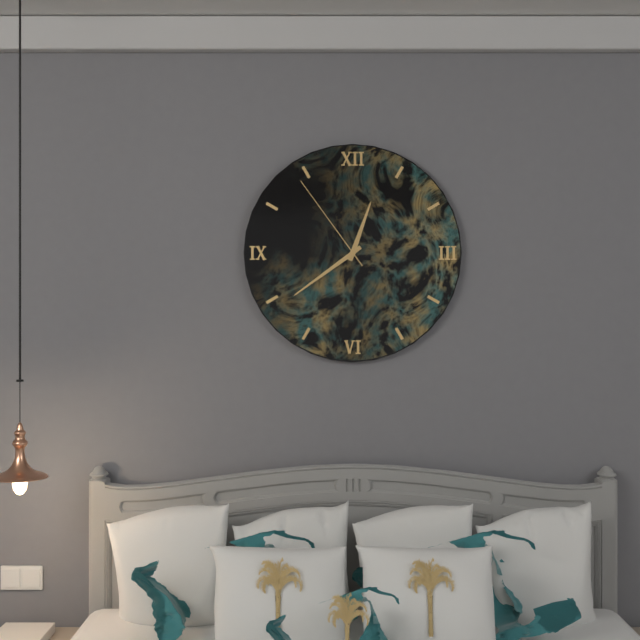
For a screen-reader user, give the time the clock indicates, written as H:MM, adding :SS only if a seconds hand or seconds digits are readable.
12:39:54
